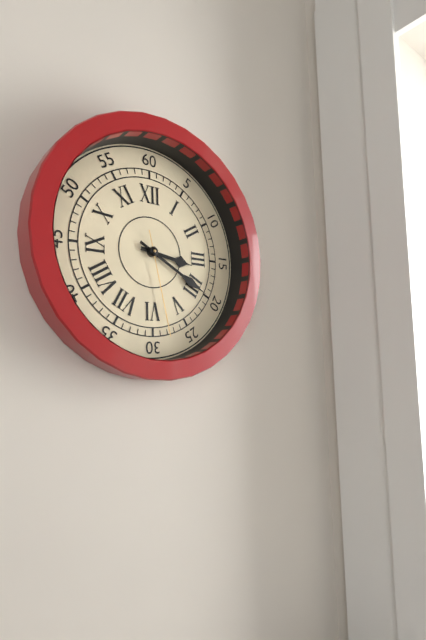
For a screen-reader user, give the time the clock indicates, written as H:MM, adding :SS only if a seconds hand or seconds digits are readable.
3:20:28
